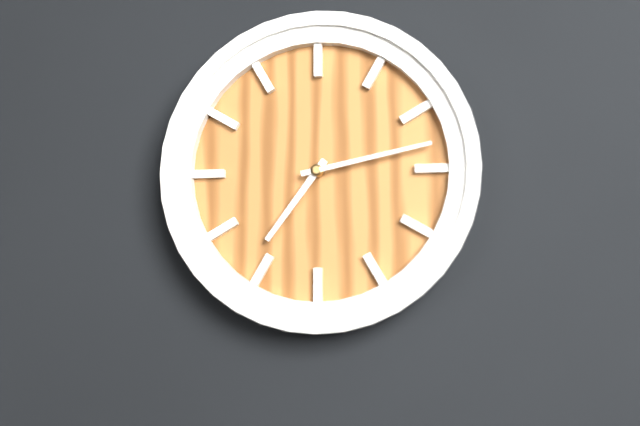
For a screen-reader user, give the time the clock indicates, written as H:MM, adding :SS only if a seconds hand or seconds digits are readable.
7:13
